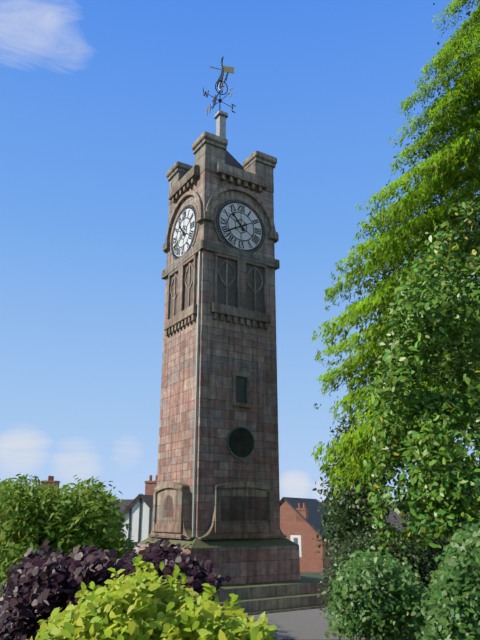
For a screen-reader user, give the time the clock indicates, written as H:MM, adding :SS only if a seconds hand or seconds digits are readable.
10:40
